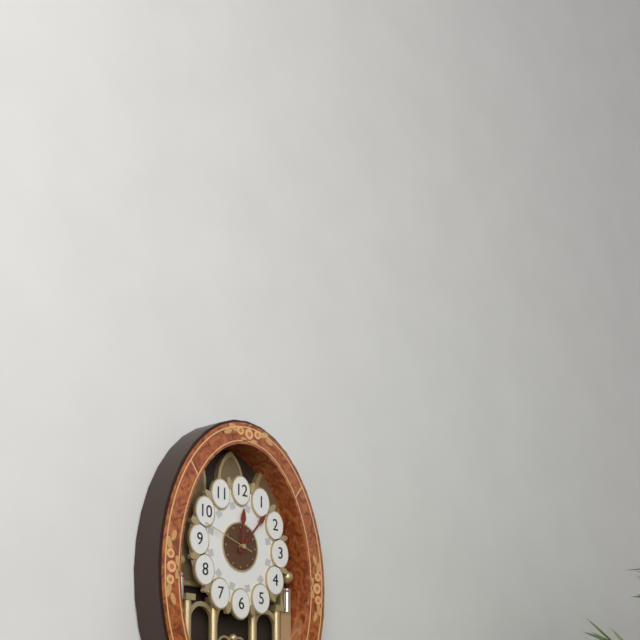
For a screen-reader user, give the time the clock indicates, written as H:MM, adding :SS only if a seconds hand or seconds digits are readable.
12:07:48
